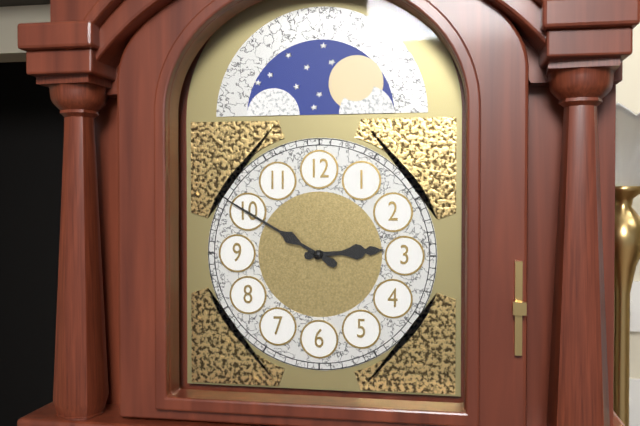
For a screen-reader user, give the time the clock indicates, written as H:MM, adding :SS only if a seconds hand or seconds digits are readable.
2:50
